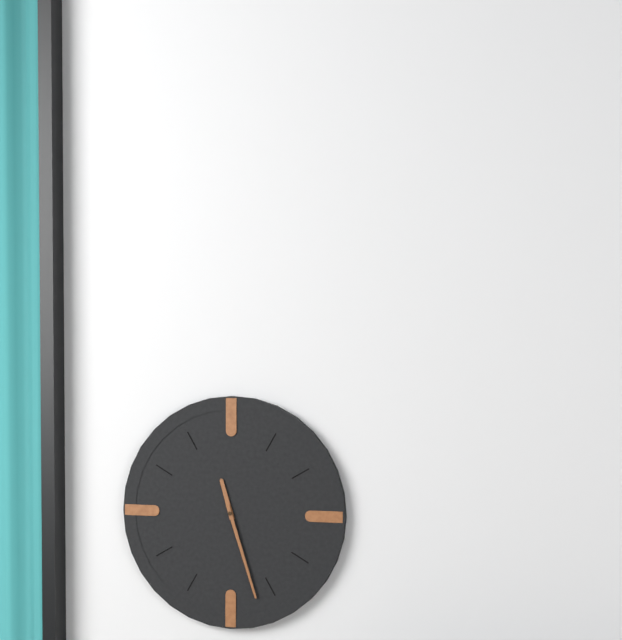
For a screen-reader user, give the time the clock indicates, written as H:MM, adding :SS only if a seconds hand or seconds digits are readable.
11:27
